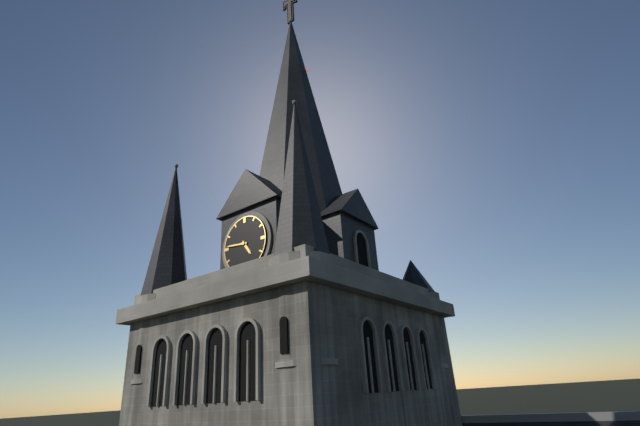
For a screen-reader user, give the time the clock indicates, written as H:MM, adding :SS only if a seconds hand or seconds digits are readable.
4:46
